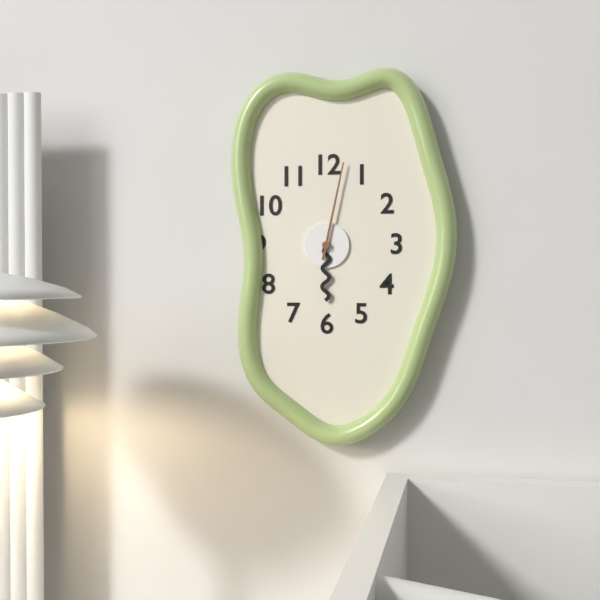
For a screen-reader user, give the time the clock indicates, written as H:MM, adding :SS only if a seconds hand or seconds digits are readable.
6:02
